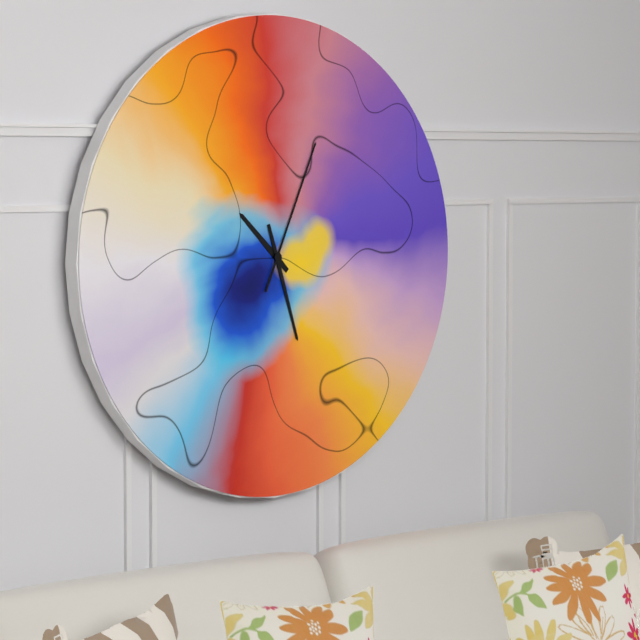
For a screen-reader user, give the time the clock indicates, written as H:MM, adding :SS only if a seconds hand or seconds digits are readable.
10:27:04
